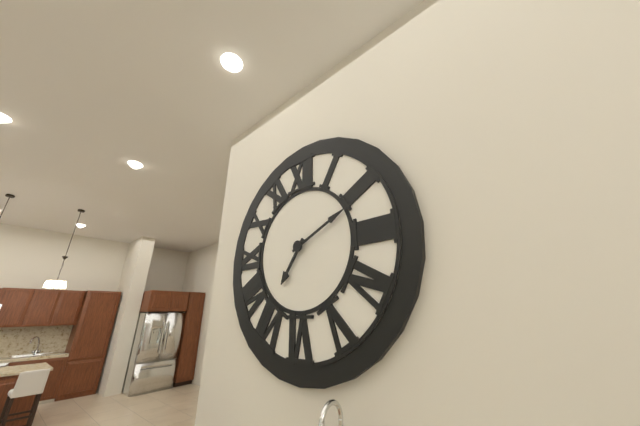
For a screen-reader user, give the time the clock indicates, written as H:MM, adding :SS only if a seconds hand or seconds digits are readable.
7:11
